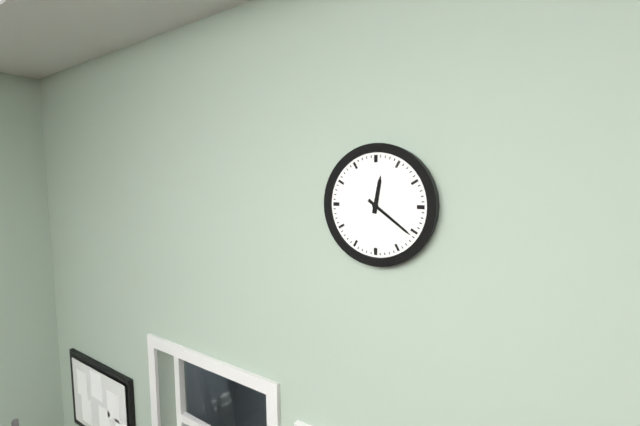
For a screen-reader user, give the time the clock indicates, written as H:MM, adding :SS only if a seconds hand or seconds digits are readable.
12:21
